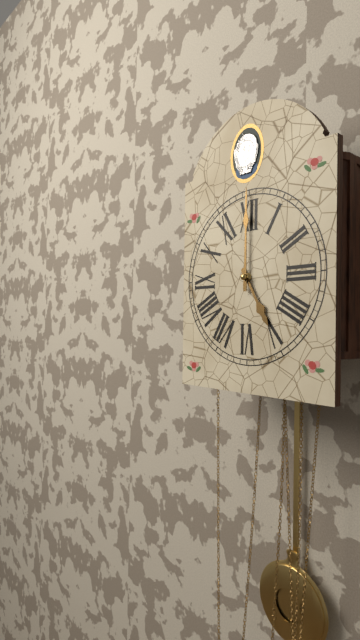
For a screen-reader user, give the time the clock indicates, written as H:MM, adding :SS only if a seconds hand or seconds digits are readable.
5:00
